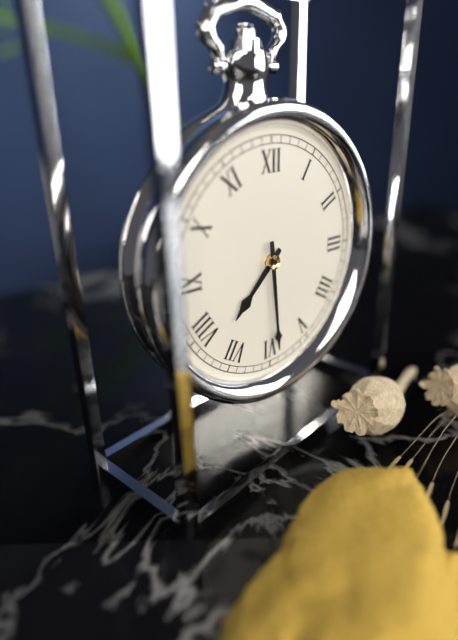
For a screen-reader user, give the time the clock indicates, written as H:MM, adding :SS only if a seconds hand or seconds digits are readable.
7:29
